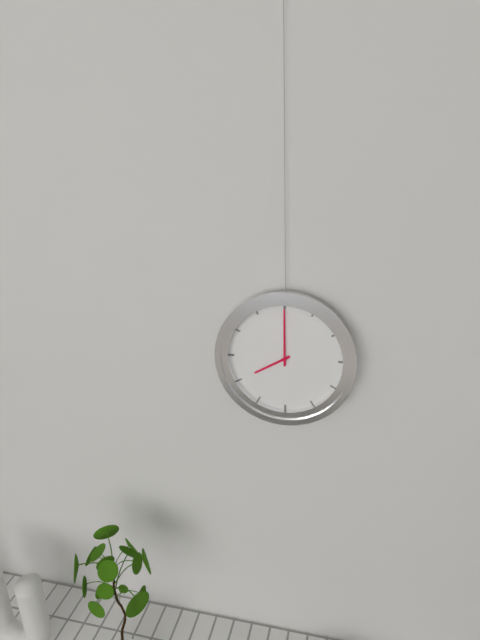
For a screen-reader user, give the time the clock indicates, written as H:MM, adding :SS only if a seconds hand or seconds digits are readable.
8:00
